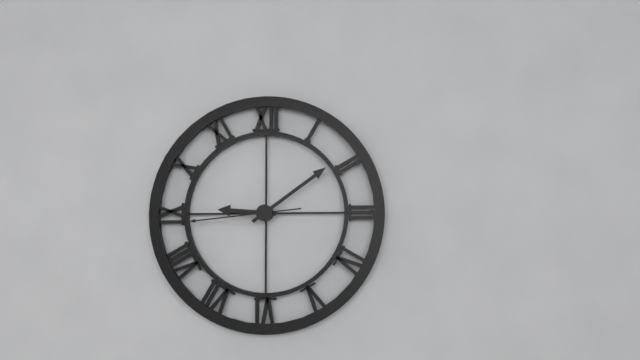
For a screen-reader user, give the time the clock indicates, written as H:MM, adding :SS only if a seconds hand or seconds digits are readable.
9:09:44
